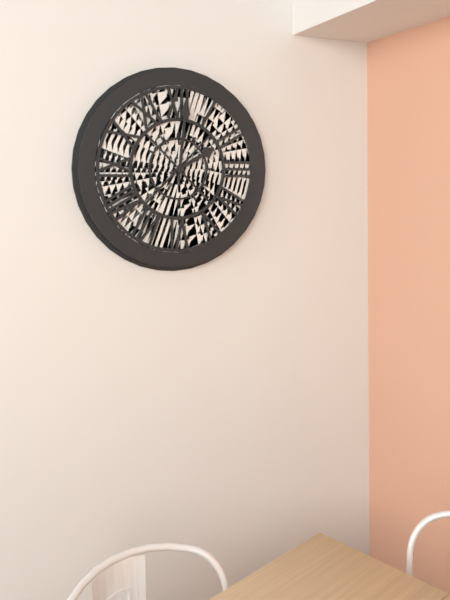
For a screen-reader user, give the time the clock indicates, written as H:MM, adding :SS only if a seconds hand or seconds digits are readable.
2:01
